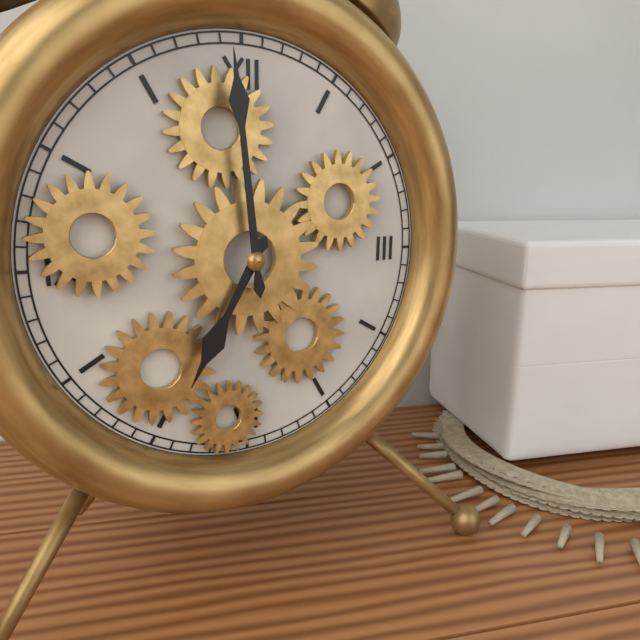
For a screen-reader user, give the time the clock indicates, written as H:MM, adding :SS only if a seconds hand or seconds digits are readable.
6:59
